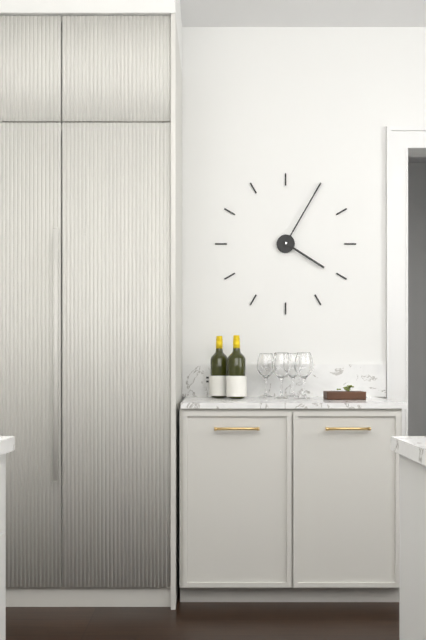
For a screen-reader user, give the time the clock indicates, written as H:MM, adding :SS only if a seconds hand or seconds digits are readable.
4:05
